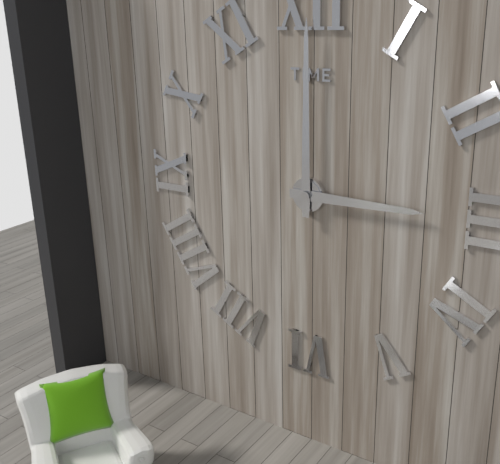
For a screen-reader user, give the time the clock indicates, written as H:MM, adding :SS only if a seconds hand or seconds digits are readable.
3:00
